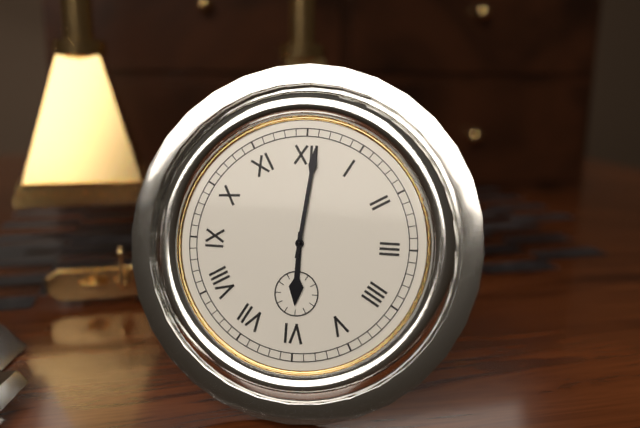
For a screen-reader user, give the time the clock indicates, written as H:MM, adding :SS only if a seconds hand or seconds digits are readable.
6:01
